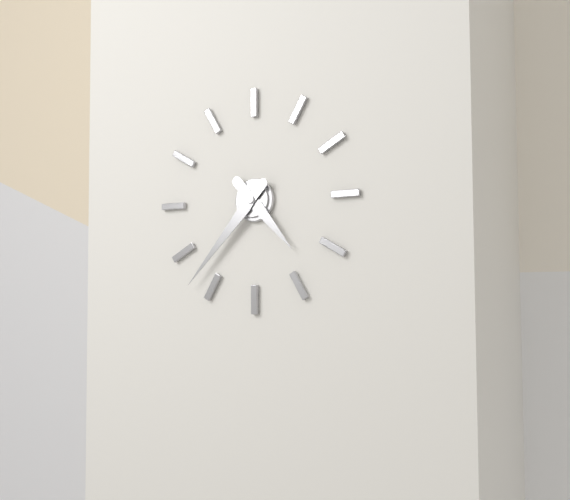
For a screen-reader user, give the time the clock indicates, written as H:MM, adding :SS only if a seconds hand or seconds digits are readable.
4:37
